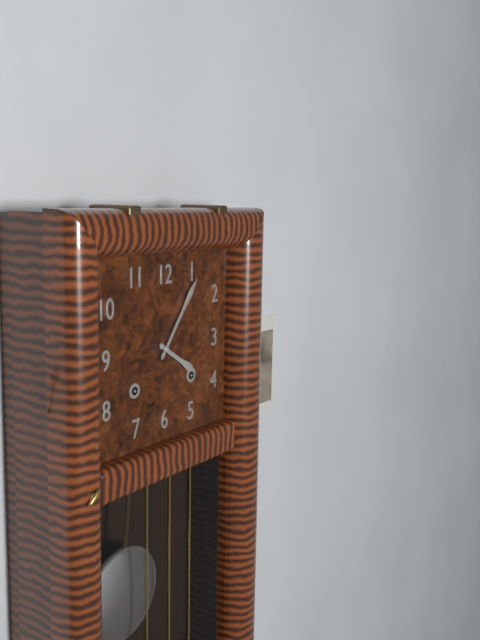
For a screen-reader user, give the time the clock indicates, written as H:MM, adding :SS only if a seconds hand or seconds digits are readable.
4:06
